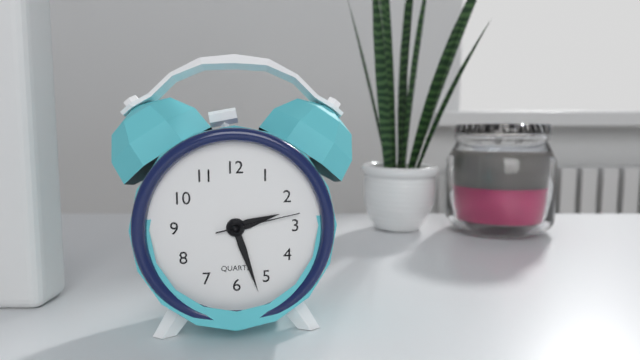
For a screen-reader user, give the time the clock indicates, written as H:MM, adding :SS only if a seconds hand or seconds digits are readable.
2:27:13
